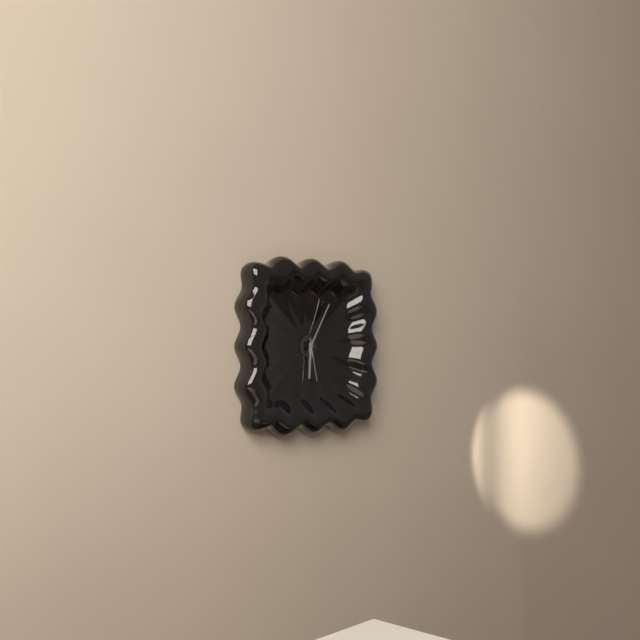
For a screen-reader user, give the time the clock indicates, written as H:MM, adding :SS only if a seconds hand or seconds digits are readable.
6:05
